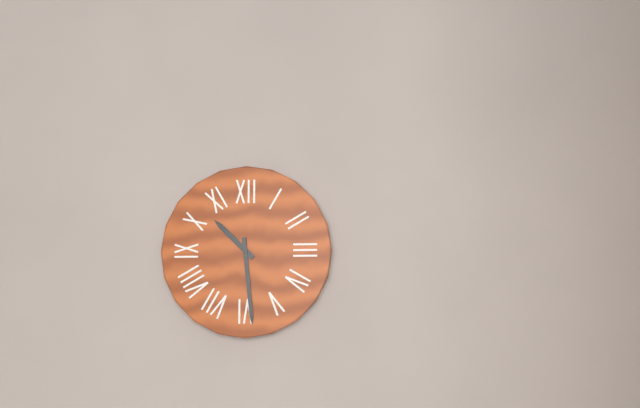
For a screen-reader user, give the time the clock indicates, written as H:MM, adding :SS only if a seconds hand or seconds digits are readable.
10:29
